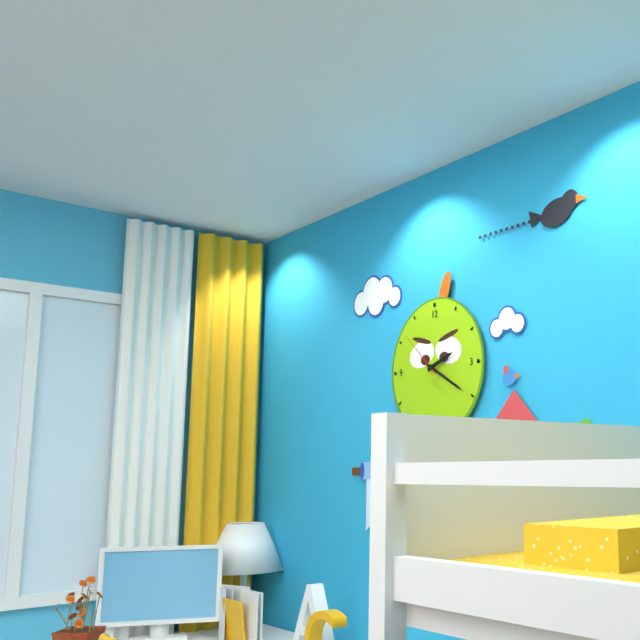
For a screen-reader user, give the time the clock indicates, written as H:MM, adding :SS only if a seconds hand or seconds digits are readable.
2:20:52
